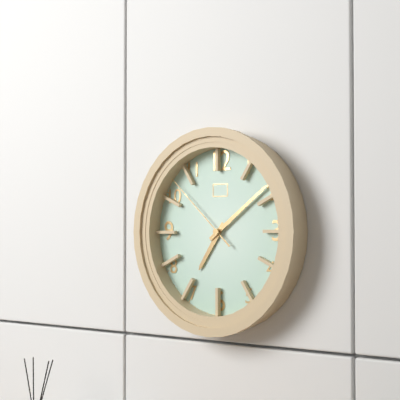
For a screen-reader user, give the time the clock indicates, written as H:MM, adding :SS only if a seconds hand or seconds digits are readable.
7:09:52
